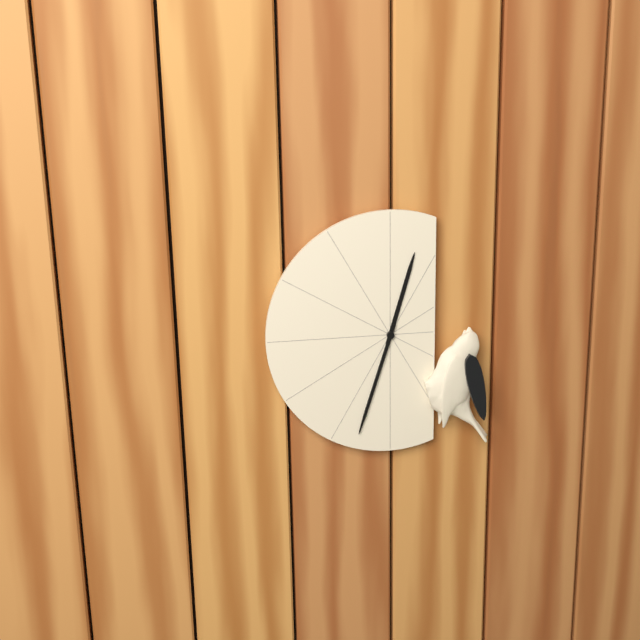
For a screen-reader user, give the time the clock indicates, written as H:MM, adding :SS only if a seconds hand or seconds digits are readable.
12:33
